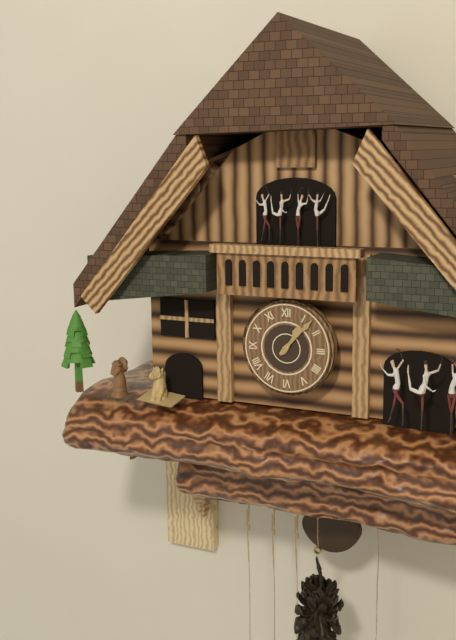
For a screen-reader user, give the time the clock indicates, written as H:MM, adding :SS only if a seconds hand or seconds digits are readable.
1:07
